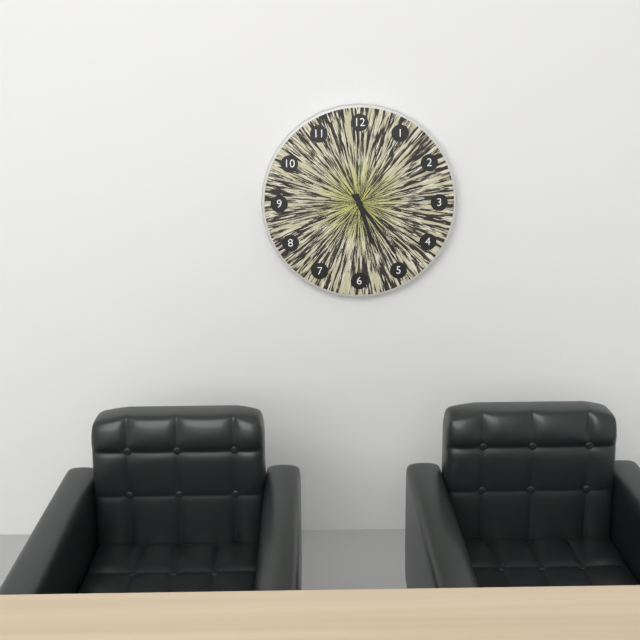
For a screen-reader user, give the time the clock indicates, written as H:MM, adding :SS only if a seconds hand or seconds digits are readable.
5:24
